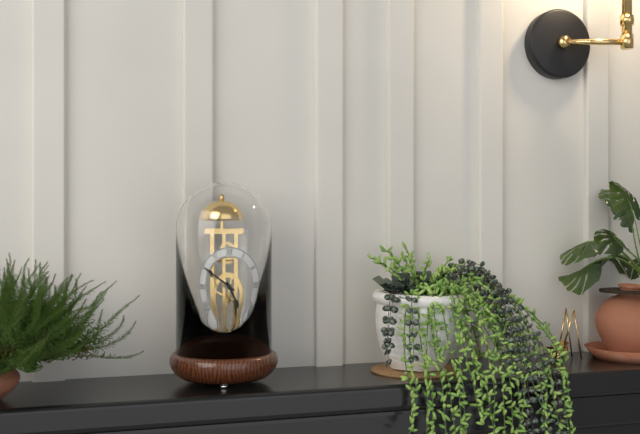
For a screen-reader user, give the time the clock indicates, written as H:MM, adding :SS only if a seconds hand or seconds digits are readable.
4:50
